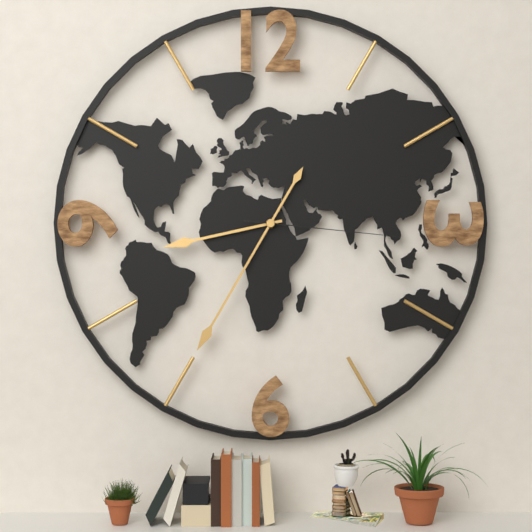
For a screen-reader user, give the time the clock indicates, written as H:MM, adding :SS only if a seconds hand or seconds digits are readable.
8:35:16
